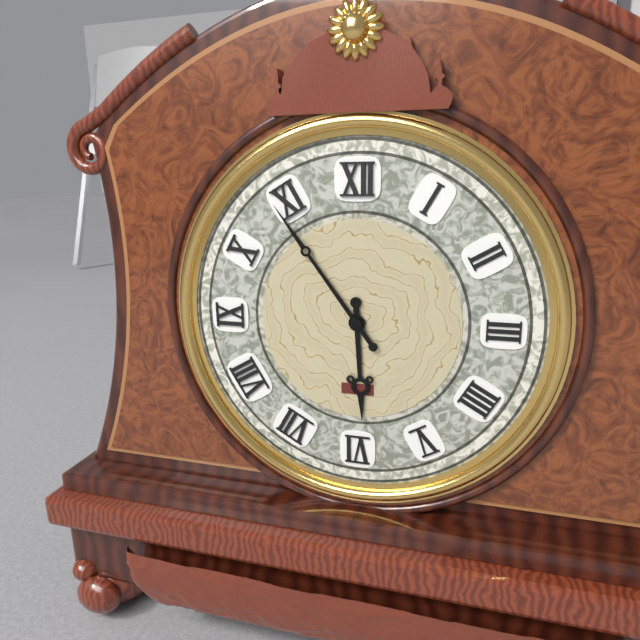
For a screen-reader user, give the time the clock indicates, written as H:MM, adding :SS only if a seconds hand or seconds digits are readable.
5:54
